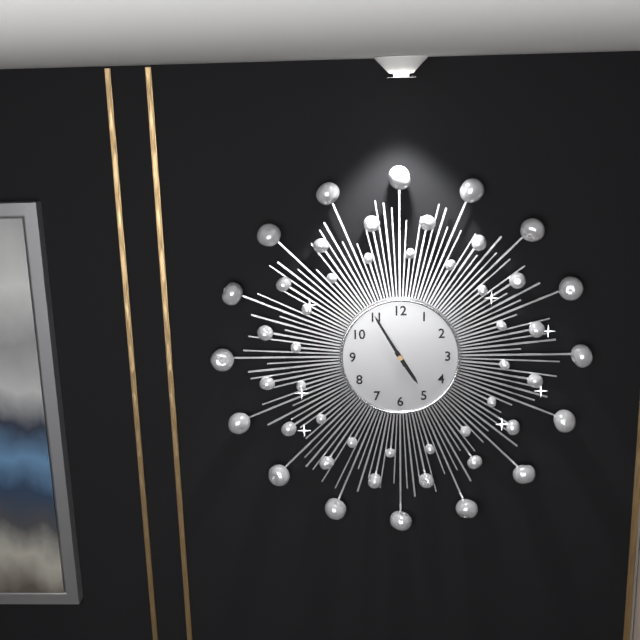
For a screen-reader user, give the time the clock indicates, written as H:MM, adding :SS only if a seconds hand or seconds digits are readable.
4:55
